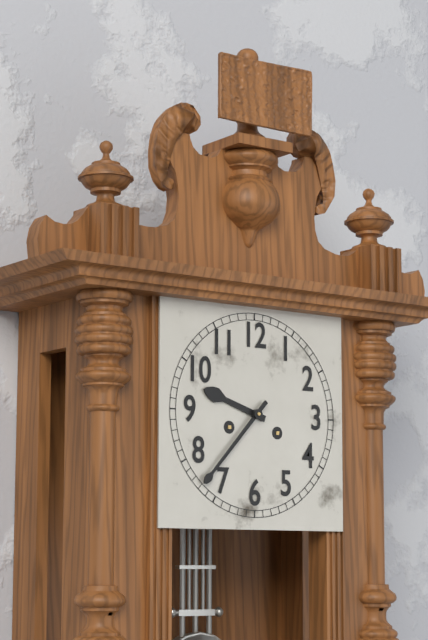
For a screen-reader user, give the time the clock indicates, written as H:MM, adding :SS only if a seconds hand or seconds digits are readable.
9:37
